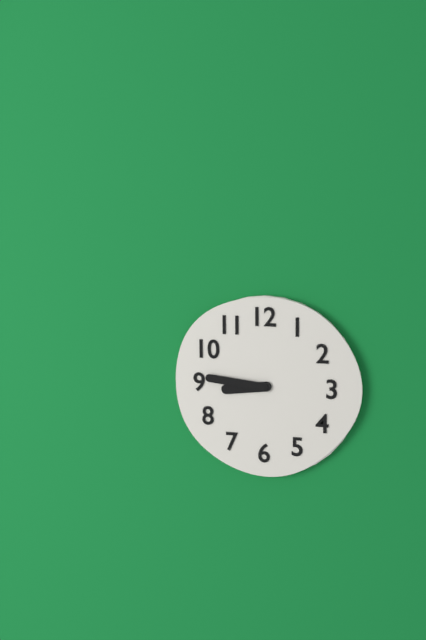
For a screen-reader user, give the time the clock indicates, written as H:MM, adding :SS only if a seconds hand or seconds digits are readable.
8:46
